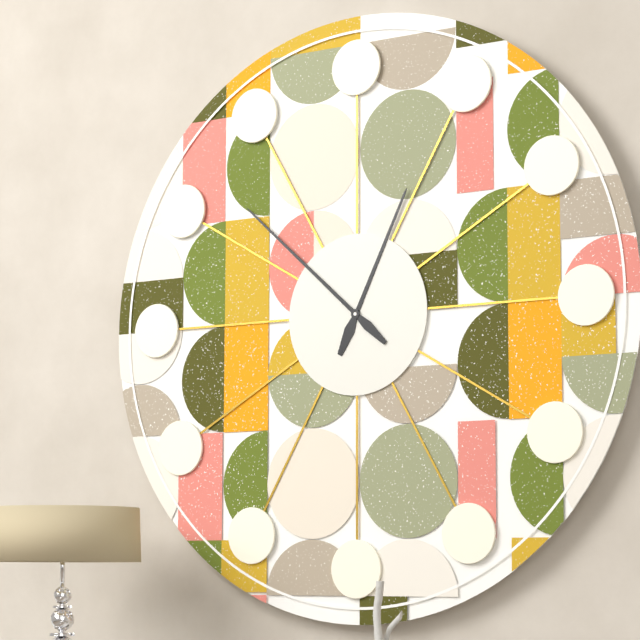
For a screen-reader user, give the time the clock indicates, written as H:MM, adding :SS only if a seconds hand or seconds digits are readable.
12:52
